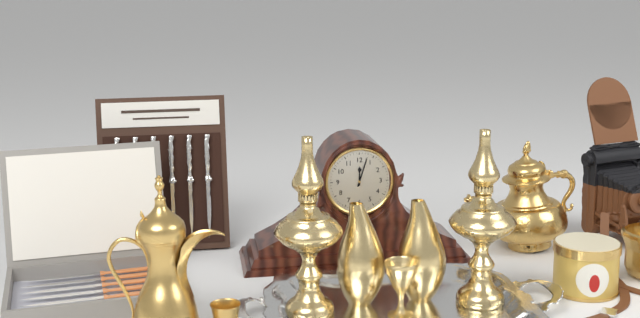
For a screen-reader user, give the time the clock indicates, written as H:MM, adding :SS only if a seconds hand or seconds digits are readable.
12:03
